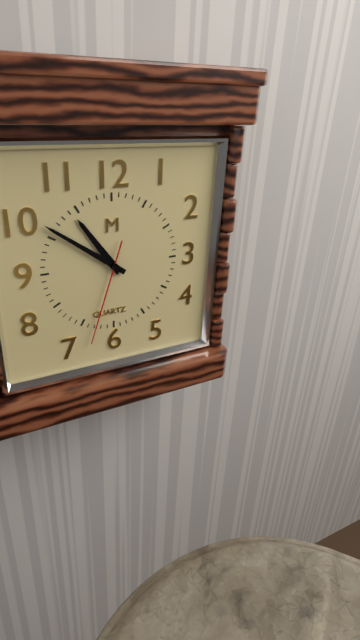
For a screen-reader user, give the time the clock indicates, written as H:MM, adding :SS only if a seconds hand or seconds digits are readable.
10:51:33
